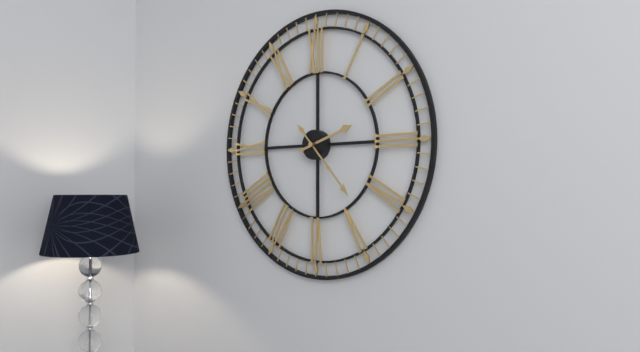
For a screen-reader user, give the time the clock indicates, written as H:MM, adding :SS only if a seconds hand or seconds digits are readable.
2:23
